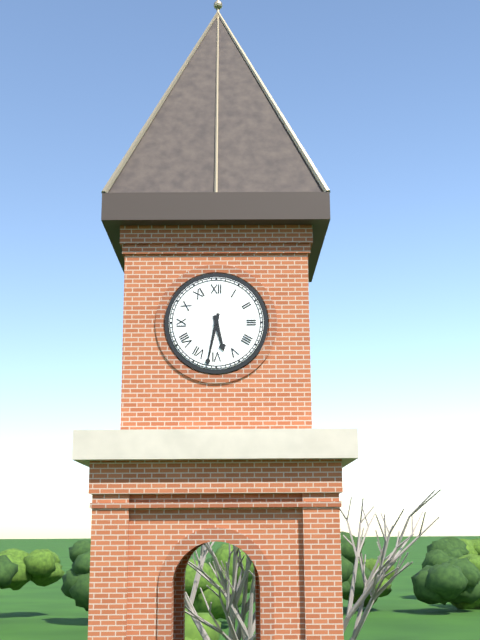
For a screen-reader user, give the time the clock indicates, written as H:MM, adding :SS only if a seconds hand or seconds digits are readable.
5:32
